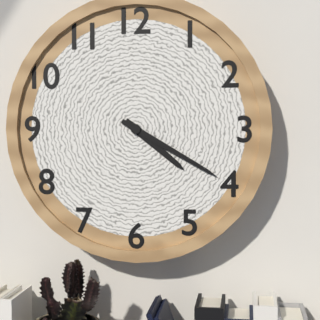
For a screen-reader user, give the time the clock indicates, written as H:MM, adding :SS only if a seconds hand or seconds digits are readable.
4:20
